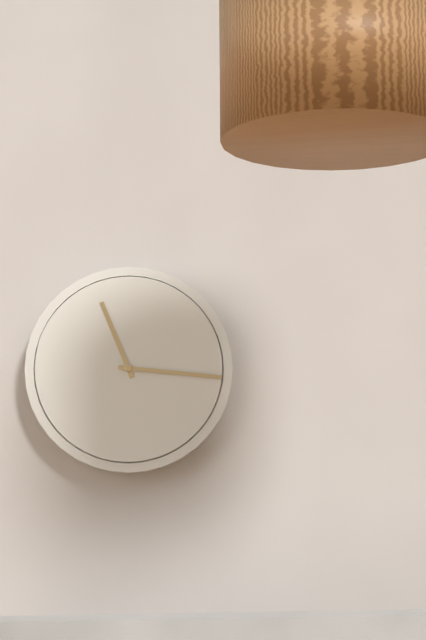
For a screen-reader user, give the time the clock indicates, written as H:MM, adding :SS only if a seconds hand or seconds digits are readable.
11:16
